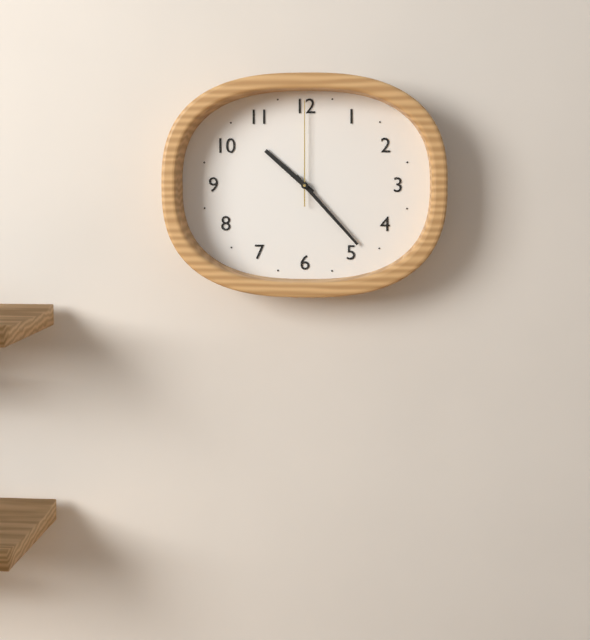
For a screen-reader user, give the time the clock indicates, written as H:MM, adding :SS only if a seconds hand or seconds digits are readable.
10:23:00
